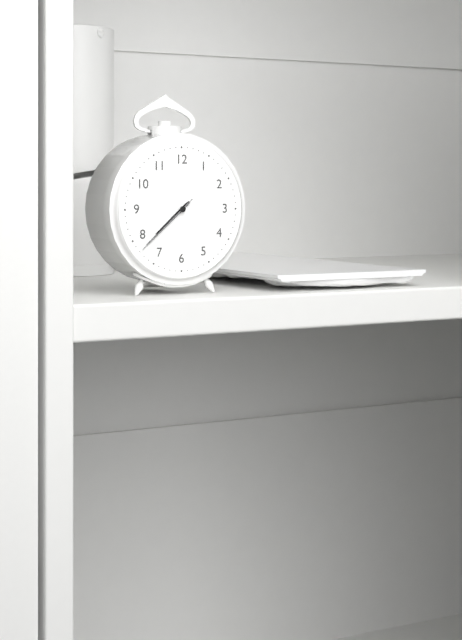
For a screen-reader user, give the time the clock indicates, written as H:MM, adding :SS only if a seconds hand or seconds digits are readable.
7:38:38
